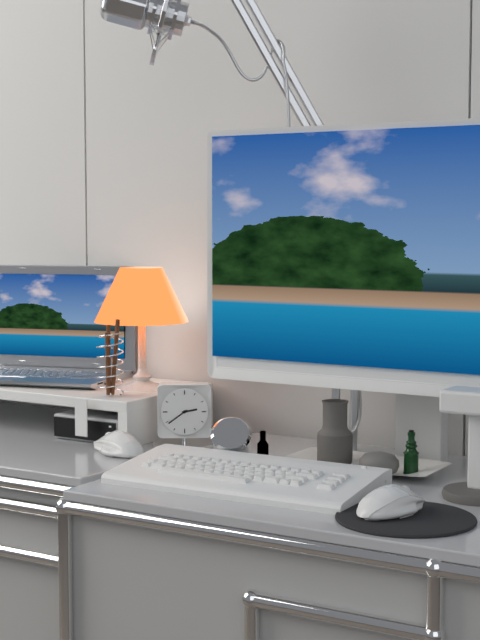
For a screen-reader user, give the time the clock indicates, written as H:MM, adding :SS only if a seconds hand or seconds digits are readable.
2:39
